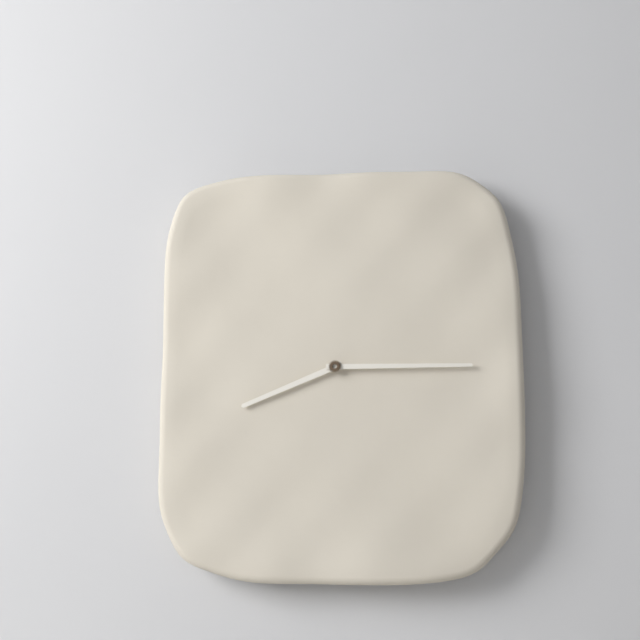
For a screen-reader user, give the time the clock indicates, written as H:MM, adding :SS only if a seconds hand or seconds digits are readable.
8:15
